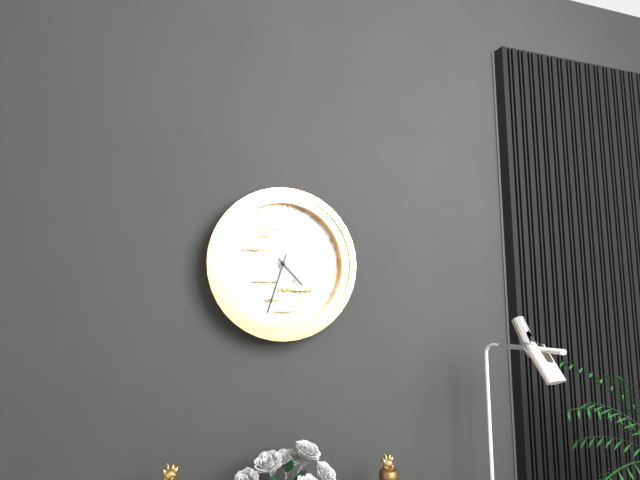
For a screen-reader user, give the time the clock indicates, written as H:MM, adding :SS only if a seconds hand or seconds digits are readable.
4:33
